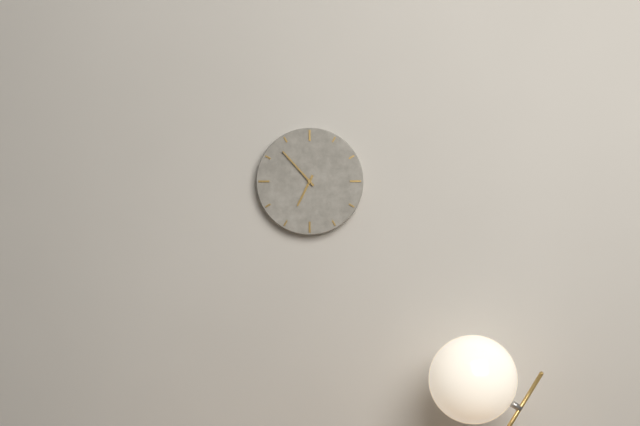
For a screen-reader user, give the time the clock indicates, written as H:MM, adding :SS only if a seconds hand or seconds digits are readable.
6:53
